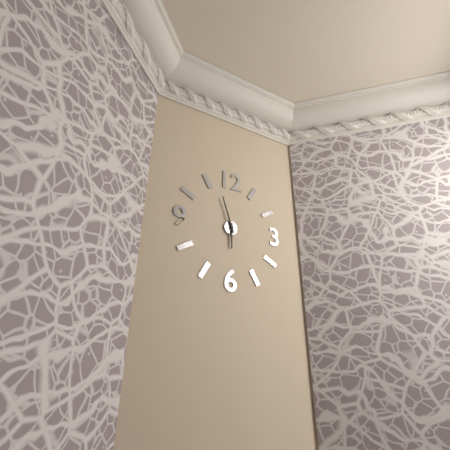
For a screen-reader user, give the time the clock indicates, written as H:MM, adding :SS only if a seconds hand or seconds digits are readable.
5:57
